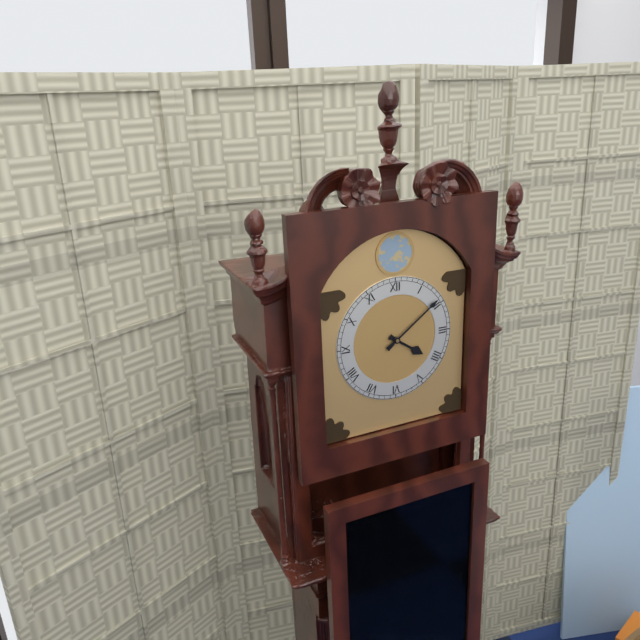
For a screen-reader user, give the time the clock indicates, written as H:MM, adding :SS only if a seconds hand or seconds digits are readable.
4:09
